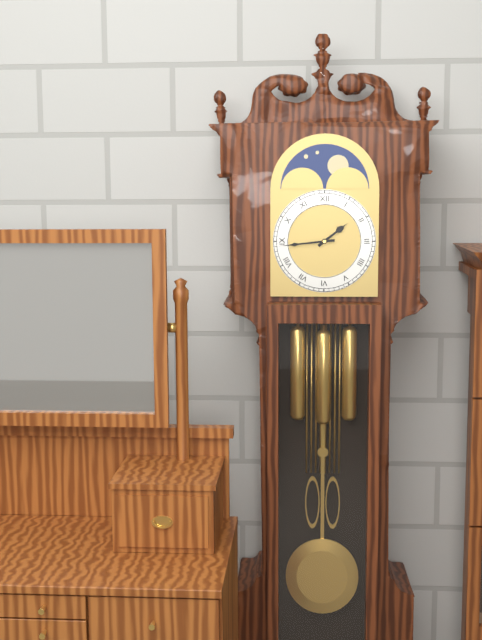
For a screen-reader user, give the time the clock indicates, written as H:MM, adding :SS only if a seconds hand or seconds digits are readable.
1:44
